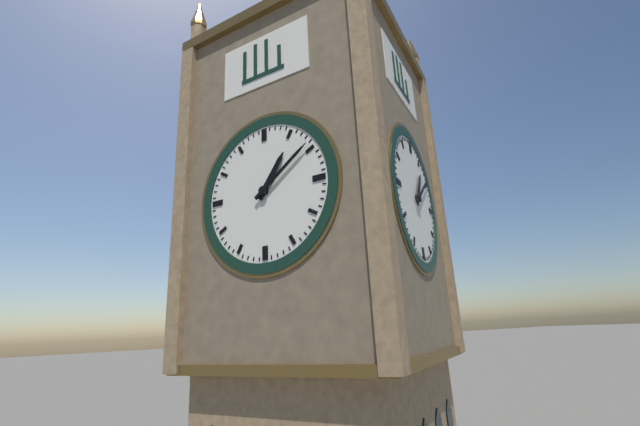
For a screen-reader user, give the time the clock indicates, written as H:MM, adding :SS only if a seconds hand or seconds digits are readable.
1:09
